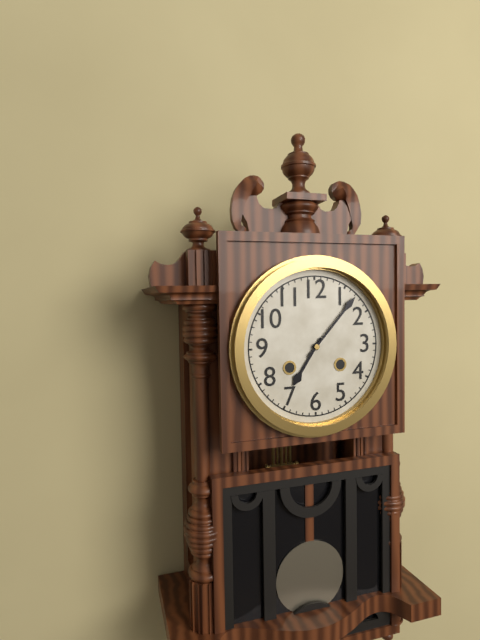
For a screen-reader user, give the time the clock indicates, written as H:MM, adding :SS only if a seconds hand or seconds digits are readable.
7:07
